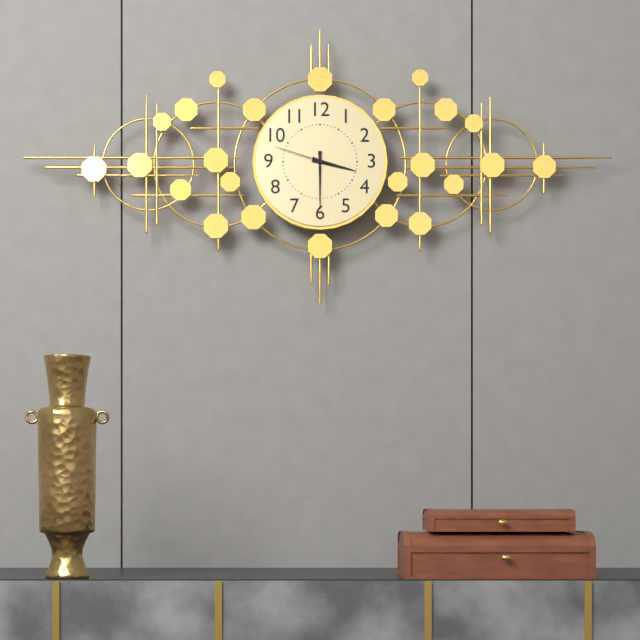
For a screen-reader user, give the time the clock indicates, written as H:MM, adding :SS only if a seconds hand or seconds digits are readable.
3:30:48
